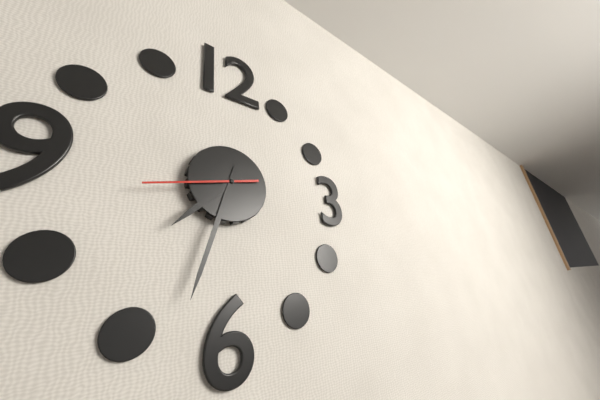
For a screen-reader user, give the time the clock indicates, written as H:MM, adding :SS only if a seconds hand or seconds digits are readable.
7:33:43
